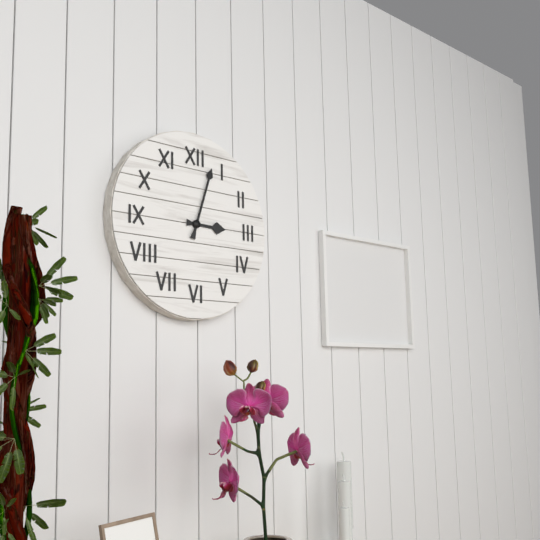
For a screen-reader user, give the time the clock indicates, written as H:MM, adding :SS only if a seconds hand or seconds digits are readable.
3:03
